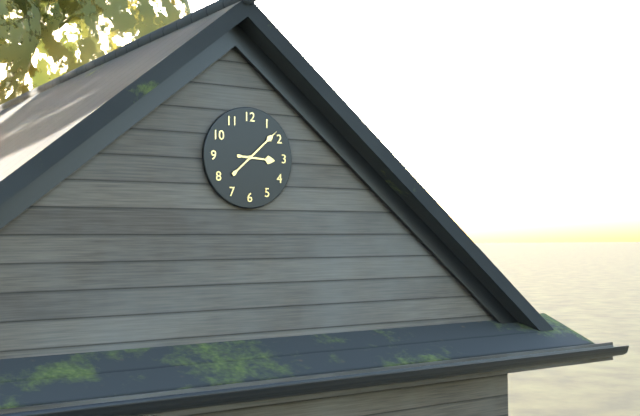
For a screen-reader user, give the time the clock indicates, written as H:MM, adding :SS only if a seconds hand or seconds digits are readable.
3:08
